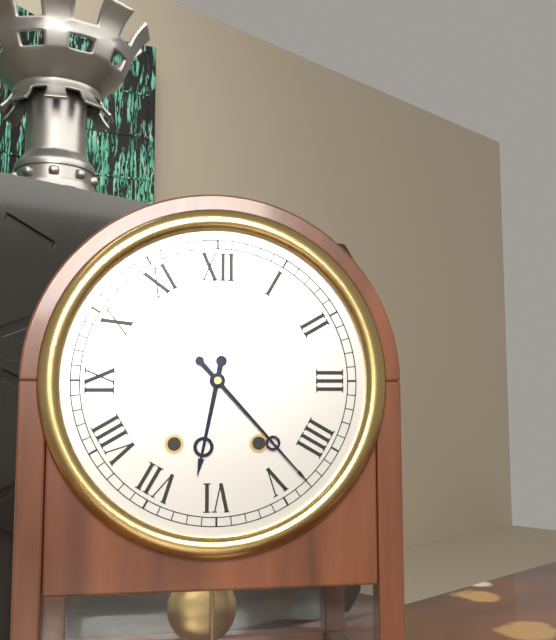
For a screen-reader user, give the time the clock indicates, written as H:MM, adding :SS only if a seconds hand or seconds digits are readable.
6:23
